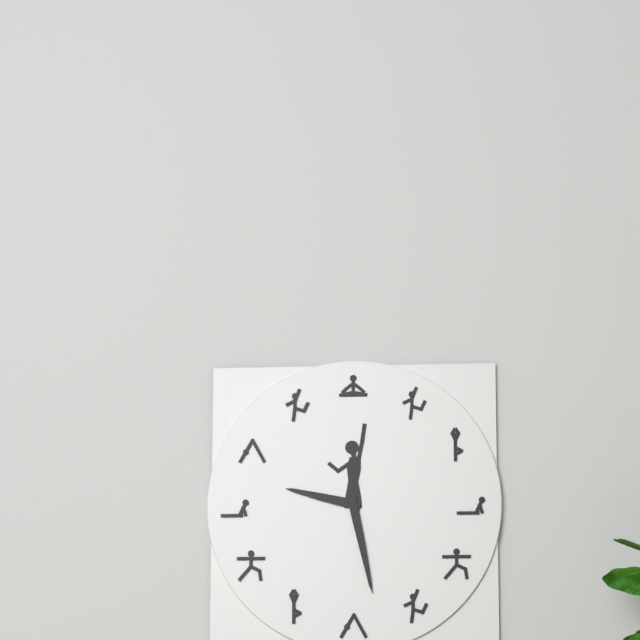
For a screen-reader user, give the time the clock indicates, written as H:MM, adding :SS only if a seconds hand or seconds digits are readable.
9:28
